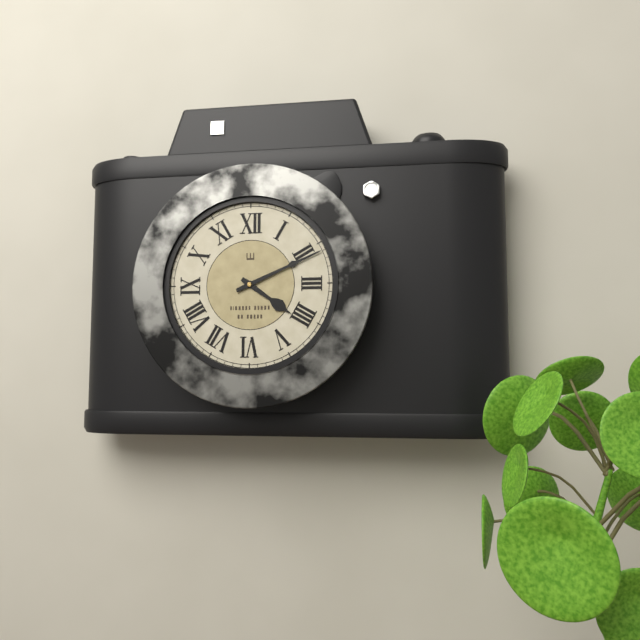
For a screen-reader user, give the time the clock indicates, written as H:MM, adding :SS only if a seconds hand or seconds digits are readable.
4:11
